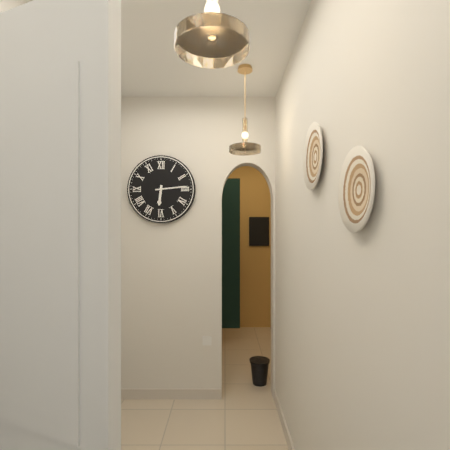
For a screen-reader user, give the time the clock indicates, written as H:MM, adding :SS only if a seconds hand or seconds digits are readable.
6:14
